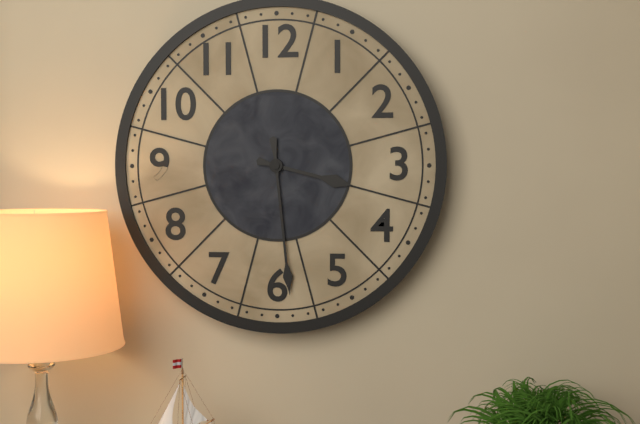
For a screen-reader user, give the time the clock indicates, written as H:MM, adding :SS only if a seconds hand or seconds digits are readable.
3:29
